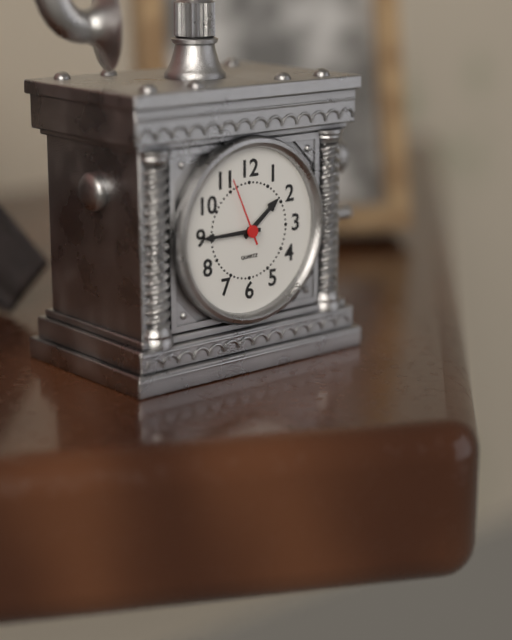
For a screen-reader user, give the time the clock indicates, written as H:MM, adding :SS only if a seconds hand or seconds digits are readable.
1:45:56
